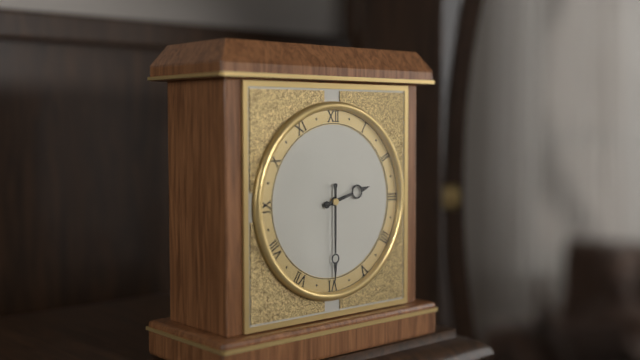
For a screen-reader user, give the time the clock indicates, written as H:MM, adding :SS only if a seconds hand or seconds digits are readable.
2:30
